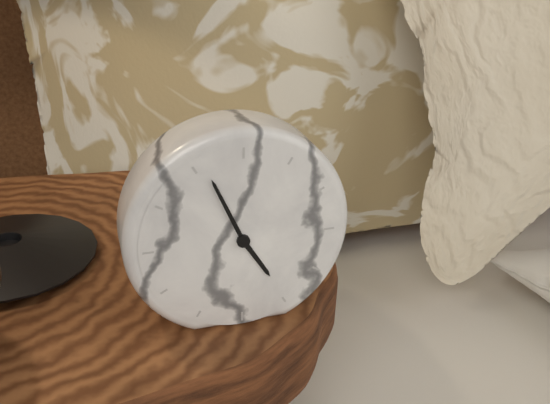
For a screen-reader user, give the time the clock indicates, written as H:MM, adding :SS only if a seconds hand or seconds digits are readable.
4:56
